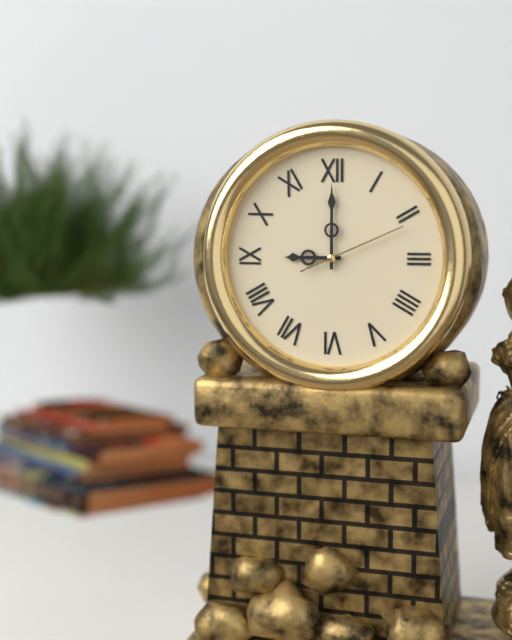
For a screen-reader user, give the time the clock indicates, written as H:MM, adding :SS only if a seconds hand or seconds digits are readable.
9:00:11
